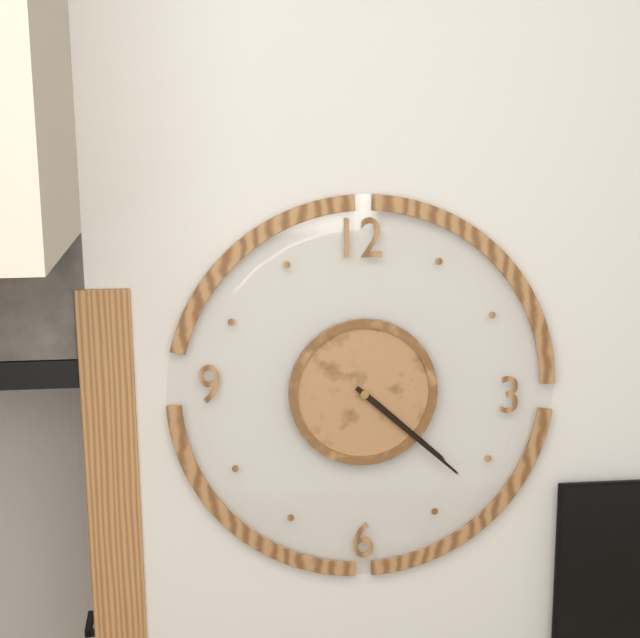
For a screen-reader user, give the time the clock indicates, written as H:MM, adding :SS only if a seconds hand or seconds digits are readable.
4:22
